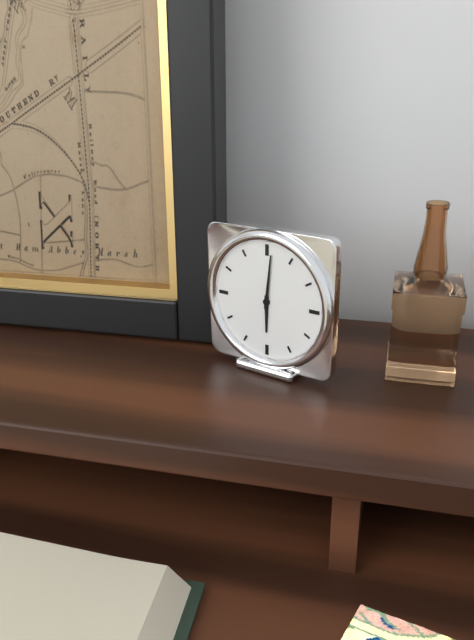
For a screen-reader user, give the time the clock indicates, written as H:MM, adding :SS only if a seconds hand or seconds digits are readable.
6:01
